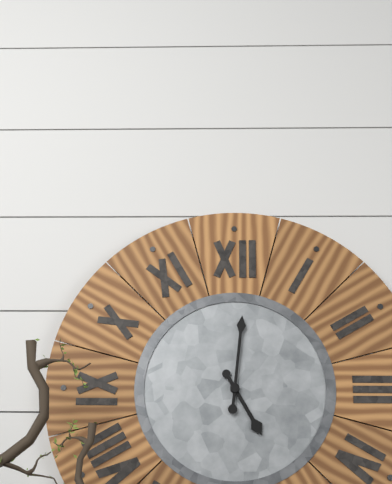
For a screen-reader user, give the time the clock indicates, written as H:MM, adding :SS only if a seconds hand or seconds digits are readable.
5:01
